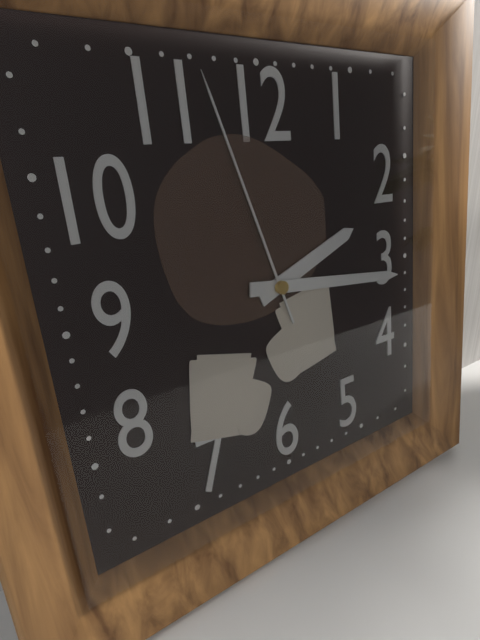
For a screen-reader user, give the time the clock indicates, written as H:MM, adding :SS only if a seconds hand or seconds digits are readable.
2:16:57
